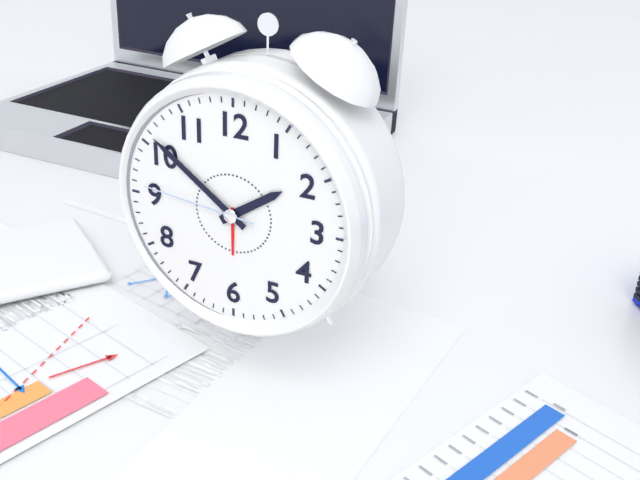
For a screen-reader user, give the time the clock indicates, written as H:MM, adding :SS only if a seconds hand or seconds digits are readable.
1:51:46
